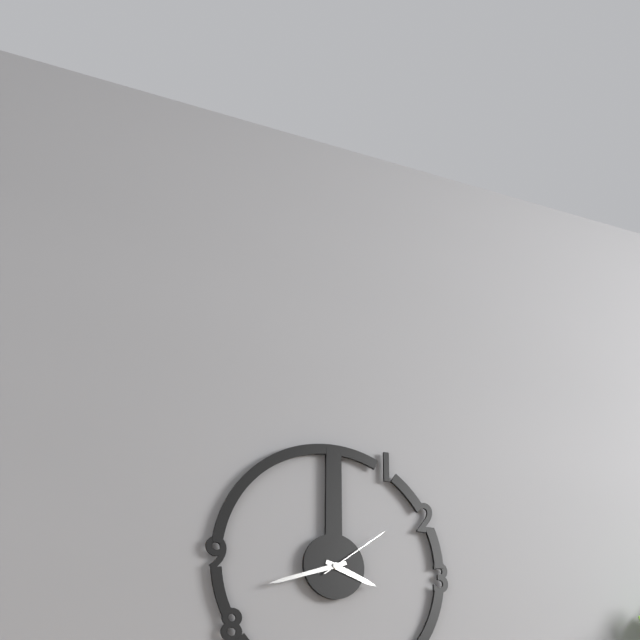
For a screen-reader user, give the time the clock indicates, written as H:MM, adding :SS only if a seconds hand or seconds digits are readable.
3:42:09
